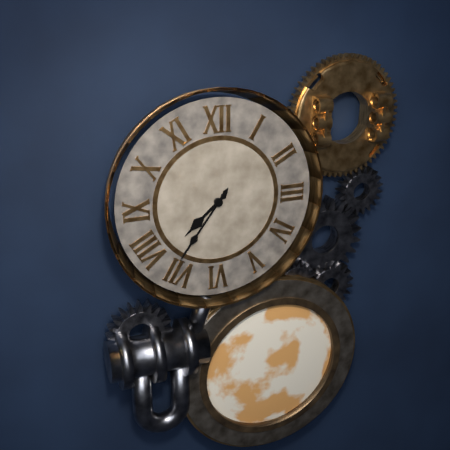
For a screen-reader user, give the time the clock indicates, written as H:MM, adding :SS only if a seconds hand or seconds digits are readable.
7:36
